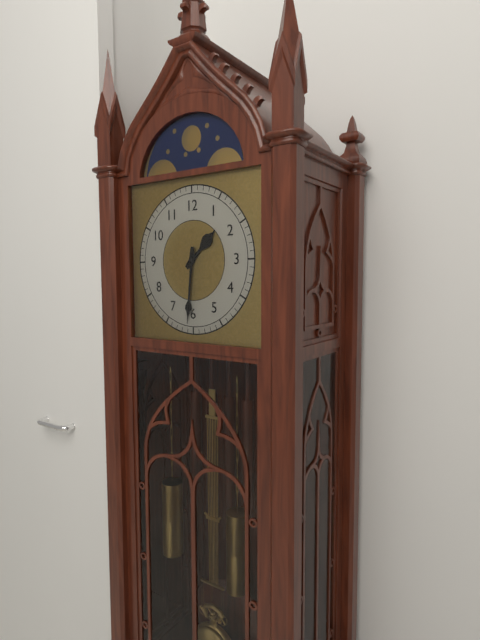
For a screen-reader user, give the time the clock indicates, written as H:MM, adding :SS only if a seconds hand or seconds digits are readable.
1:31
